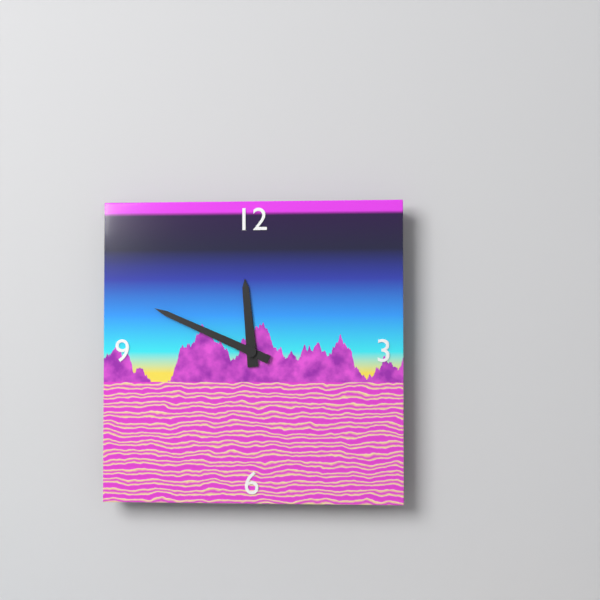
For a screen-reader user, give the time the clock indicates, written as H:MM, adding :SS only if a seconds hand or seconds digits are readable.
11:49
